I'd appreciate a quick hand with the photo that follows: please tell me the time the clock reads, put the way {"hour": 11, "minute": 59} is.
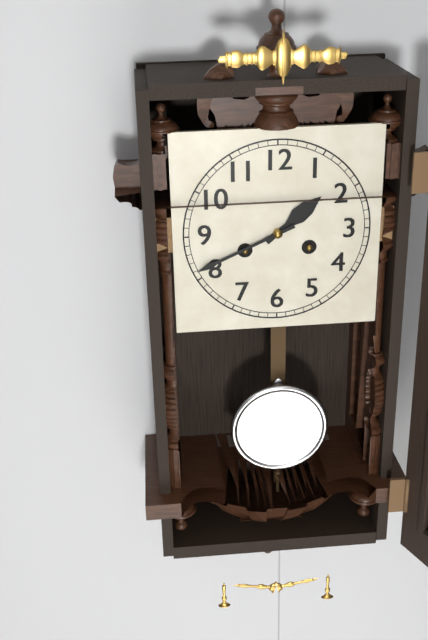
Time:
{"hour": 1, "minute": 41}
